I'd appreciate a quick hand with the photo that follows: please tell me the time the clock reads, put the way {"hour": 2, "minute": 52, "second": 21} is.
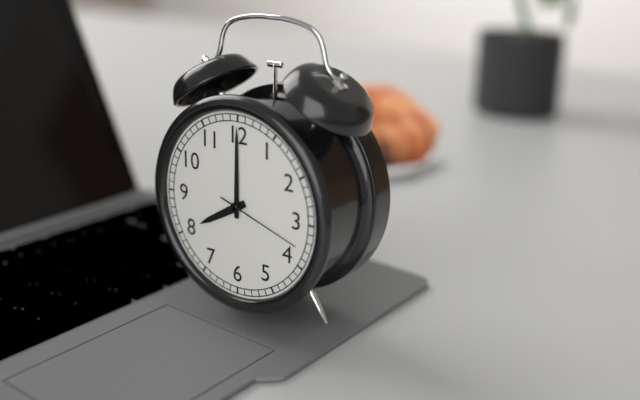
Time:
{"hour": 8, "minute": 0, "second": 18}
